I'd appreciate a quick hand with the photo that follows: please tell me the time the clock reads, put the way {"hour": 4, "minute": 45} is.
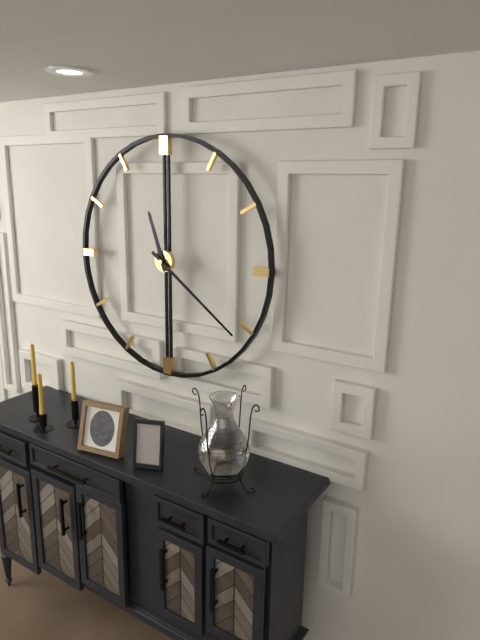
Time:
{"hour": 11, "minute": 21}
